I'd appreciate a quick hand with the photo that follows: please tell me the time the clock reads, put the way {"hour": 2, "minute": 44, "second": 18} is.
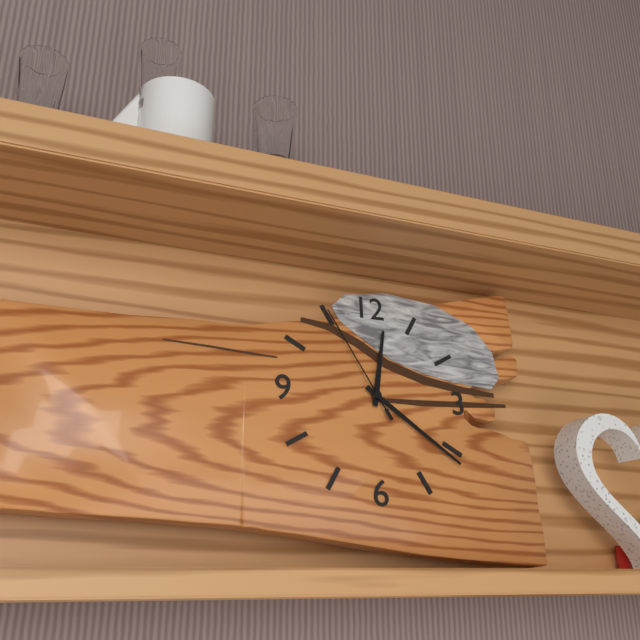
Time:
{"hour": 12, "minute": 21, "second": 55}
